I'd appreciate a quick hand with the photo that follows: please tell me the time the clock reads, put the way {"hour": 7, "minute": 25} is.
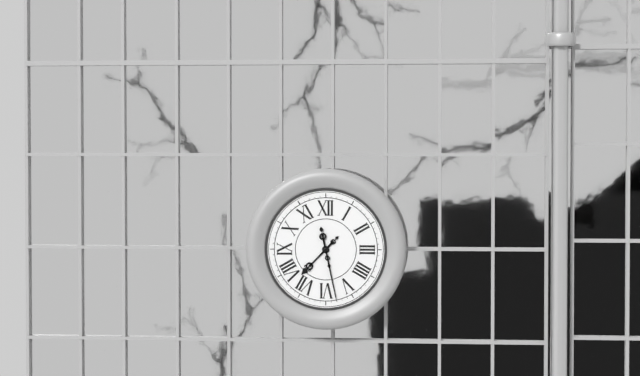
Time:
{"hour": 7, "minute": 28}
